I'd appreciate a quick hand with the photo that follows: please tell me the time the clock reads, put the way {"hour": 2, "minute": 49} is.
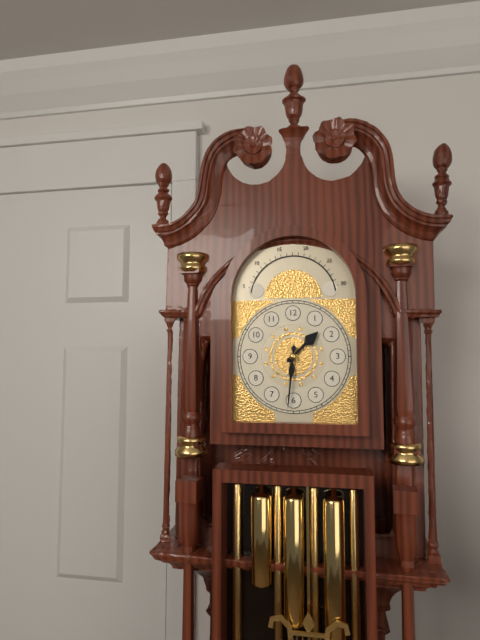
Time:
{"hour": 1, "minute": 31}
